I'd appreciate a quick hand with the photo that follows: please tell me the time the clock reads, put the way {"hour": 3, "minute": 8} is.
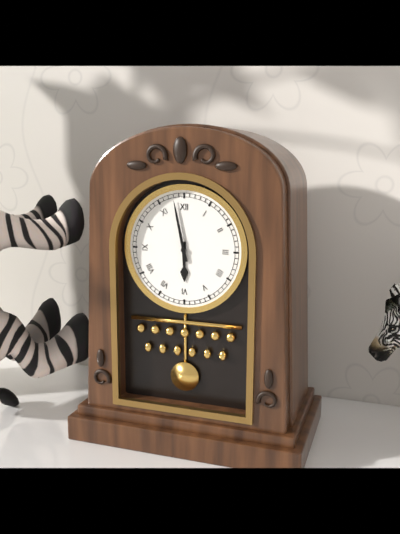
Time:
{"hour": 5, "minute": 58}
